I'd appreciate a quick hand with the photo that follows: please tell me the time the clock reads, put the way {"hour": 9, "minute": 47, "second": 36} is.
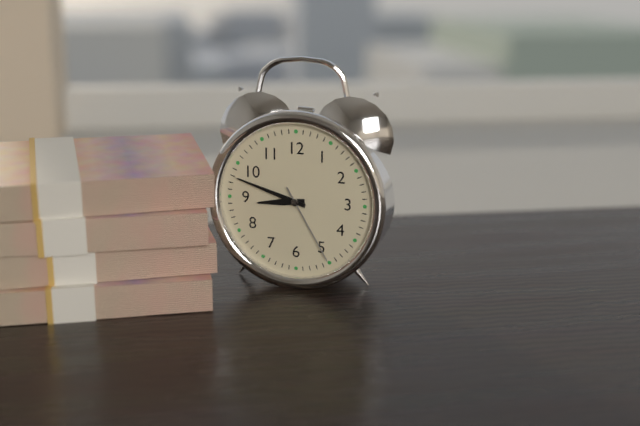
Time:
{"hour": 8, "minute": 48, "second": 25}
